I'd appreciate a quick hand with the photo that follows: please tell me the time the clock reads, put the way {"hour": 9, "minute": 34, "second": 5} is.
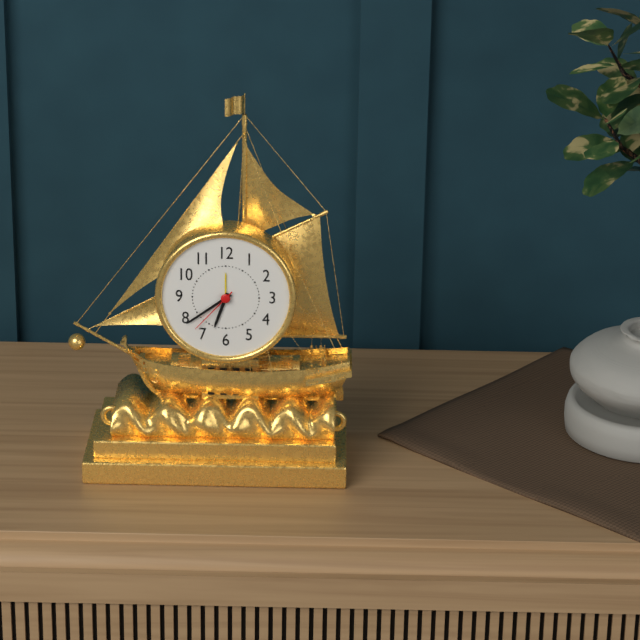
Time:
{"hour": 6, "minute": 39, "second": 37}
